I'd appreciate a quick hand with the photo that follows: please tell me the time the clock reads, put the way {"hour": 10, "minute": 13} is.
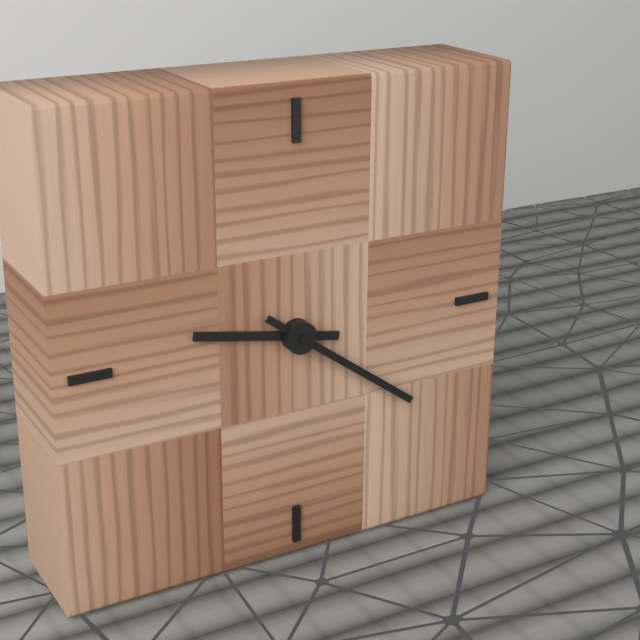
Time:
{"hour": 9, "minute": 21}
